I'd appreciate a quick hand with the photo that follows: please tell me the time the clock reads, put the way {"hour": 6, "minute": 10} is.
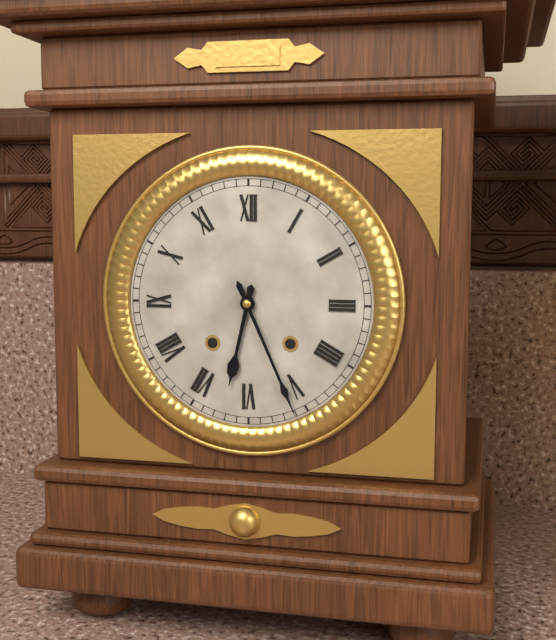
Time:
{"hour": 6, "minute": 26}
